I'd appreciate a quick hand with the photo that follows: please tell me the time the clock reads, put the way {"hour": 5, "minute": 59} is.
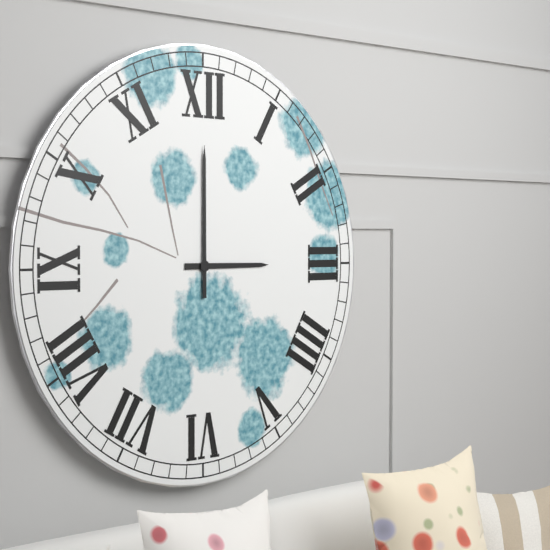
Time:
{"hour": 3, "minute": 0}
